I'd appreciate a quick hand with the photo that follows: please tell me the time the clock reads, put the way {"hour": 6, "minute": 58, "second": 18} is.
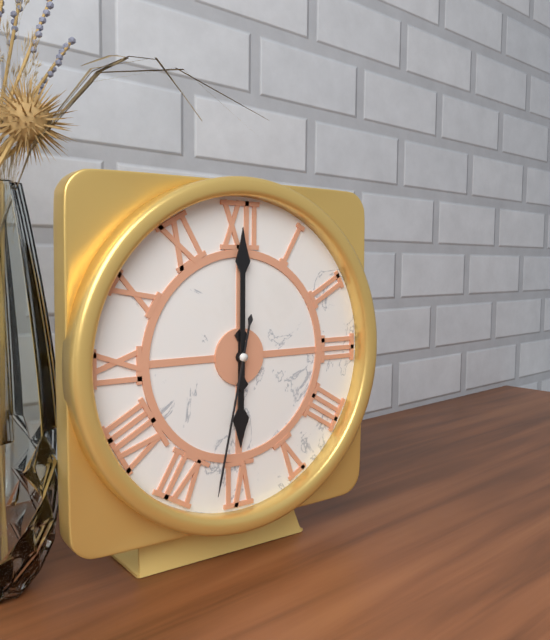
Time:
{"hour": 6, "minute": 0, "second": 32}
